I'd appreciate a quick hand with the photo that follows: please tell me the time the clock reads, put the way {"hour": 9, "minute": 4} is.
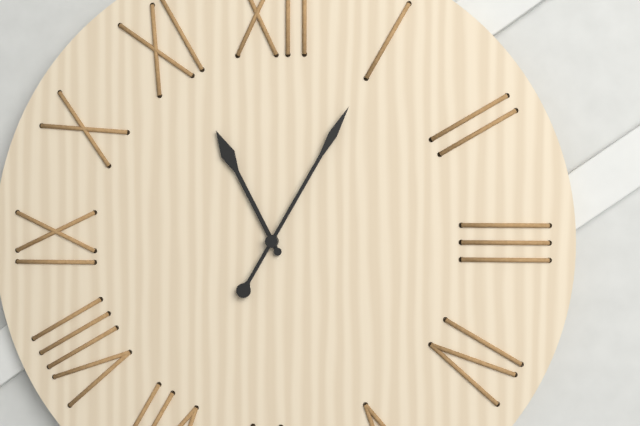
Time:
{"hour": 11, "minute": 5}
